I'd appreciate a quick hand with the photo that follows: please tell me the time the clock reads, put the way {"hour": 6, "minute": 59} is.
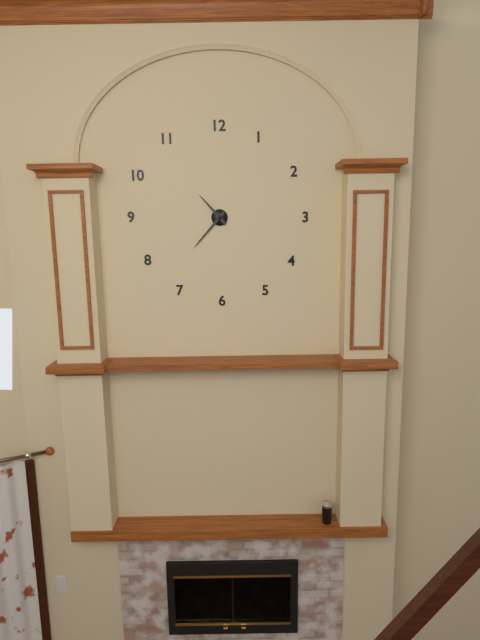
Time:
{"hour": 10, "minute": 37}
